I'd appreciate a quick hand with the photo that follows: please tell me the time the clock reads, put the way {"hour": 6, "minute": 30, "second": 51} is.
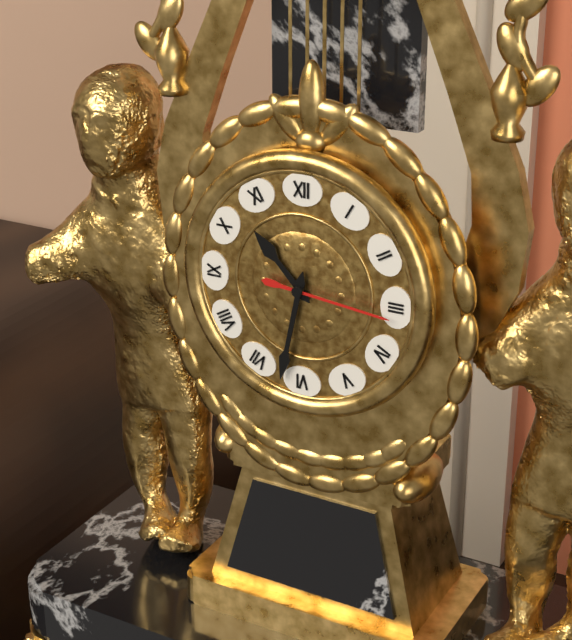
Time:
{"hour": 10, "minute": 32, "second": 16}
